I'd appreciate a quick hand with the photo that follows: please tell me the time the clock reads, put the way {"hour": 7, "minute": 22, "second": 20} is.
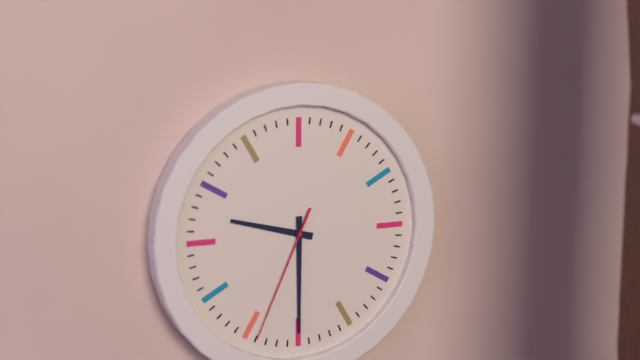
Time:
{"hour": 9, "minute": 30, "second": 34}
